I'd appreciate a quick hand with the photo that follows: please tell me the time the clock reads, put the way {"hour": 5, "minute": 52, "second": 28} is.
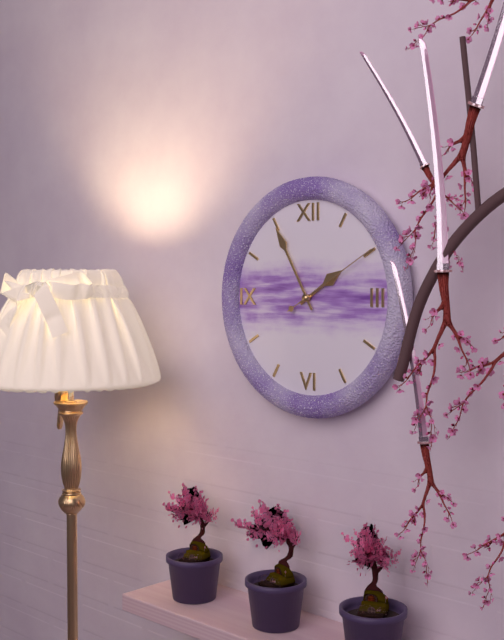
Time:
{"hour": 1, "minute": 55, "second": 10}
